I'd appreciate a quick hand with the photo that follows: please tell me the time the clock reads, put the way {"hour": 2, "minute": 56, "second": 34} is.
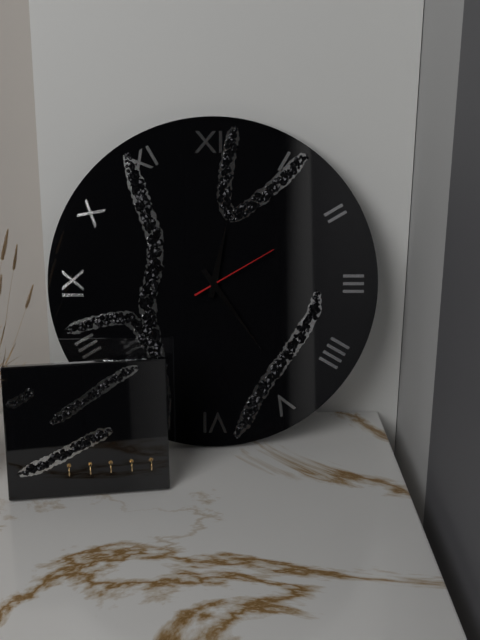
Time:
{"hour": 12, "minute": 24, "second": 10}
